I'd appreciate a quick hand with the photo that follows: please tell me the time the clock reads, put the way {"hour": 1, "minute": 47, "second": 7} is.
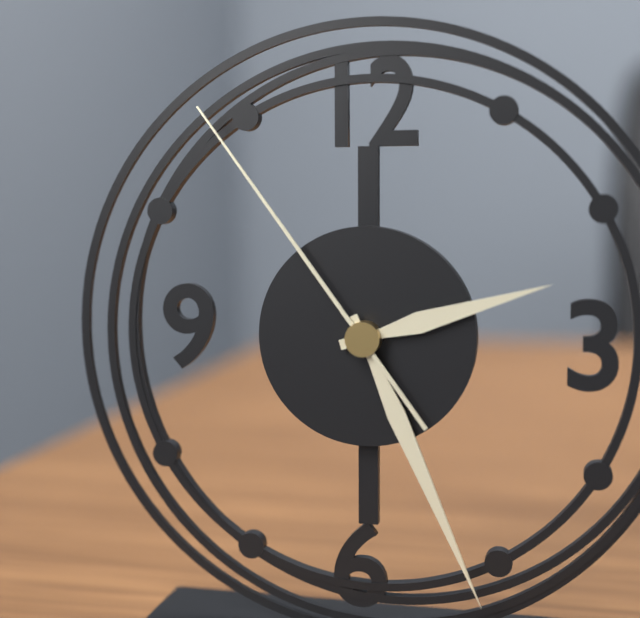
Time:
{"hour": 2, "minute": 26, "second": 54}
